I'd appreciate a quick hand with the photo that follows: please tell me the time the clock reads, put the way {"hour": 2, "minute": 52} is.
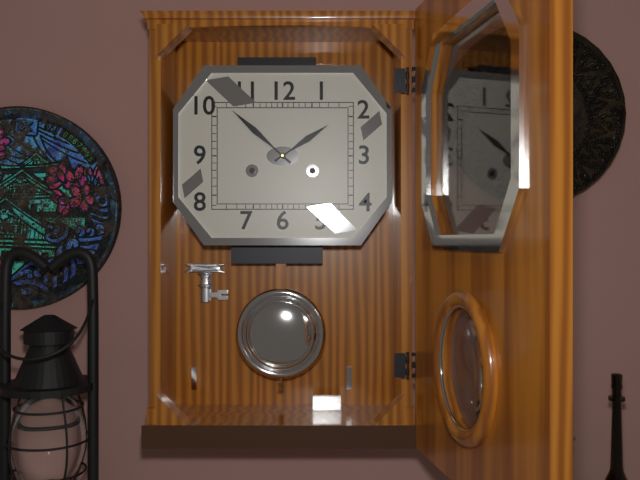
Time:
{"hour": 1, "minute": 52}
